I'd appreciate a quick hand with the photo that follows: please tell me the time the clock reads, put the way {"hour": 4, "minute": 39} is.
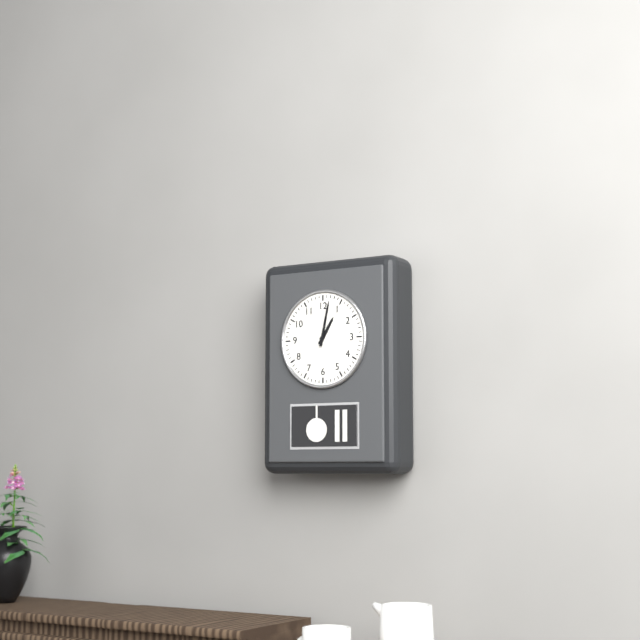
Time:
{"hour": 1, "minute": 2}
